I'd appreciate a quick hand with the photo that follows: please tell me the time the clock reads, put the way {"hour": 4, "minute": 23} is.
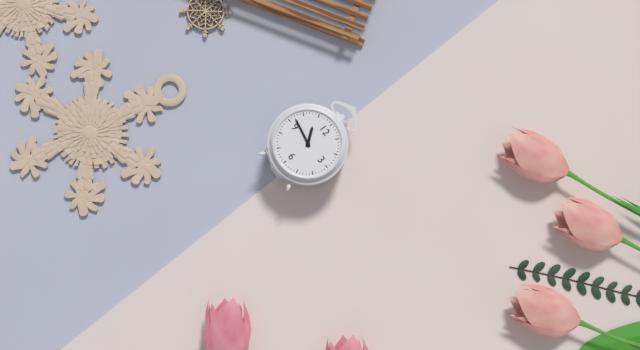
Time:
{"hour": 10, "minute": 47}
